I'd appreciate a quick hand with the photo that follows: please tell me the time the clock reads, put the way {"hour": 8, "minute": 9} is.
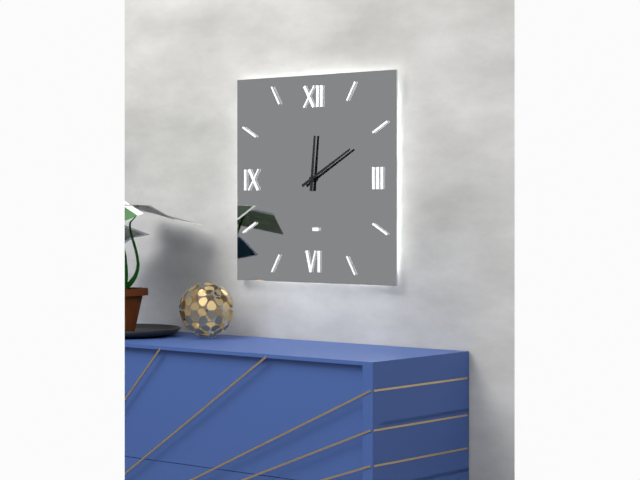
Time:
{"hour": 12, "minute": 10}
